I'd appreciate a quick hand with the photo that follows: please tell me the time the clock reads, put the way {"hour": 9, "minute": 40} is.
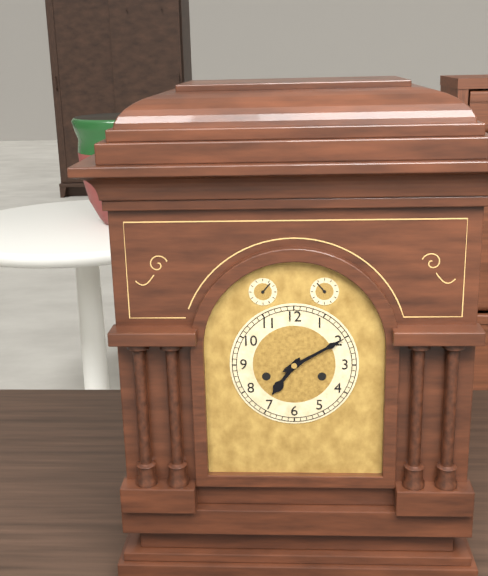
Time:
{"hour": 7, "minute": 10}
